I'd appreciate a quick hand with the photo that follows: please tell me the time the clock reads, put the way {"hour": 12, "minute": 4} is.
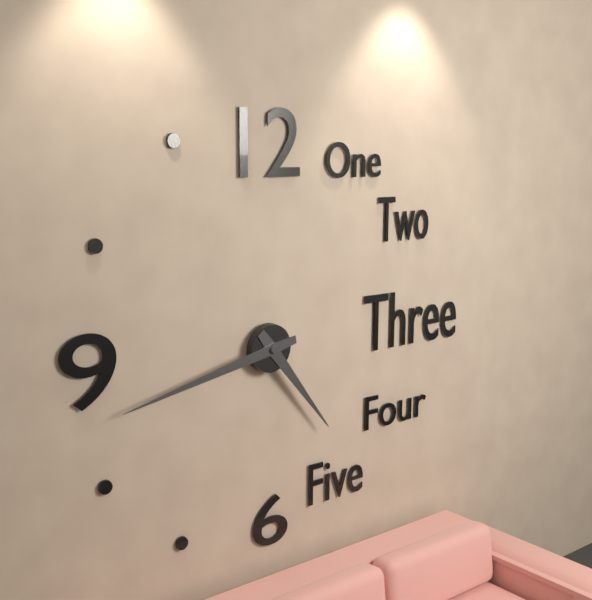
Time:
{"hour": 4, "minute": 43}
